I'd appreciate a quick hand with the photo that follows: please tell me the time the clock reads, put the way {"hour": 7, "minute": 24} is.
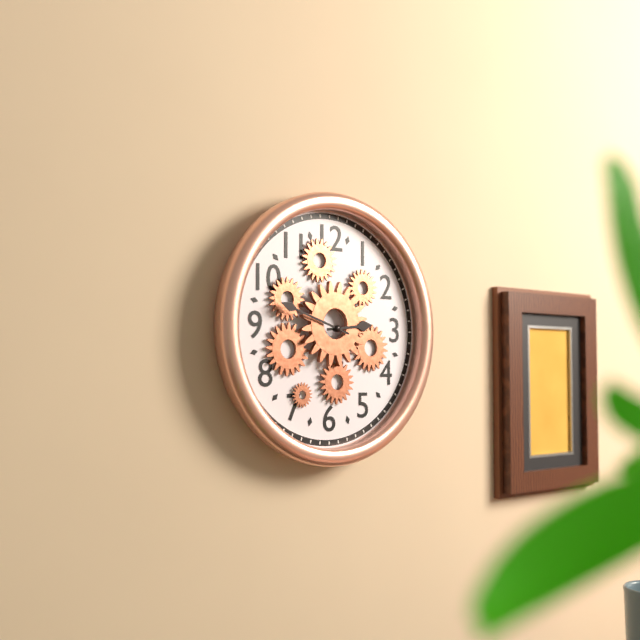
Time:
{"hour": 2, "minute": 48}
